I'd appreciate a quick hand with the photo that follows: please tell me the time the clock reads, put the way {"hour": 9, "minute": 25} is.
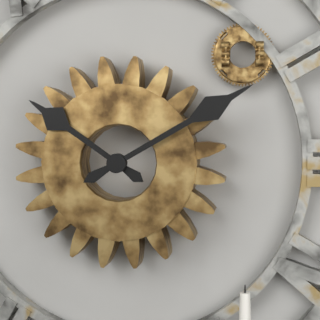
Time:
{"hour": 10, "minute": 10}
